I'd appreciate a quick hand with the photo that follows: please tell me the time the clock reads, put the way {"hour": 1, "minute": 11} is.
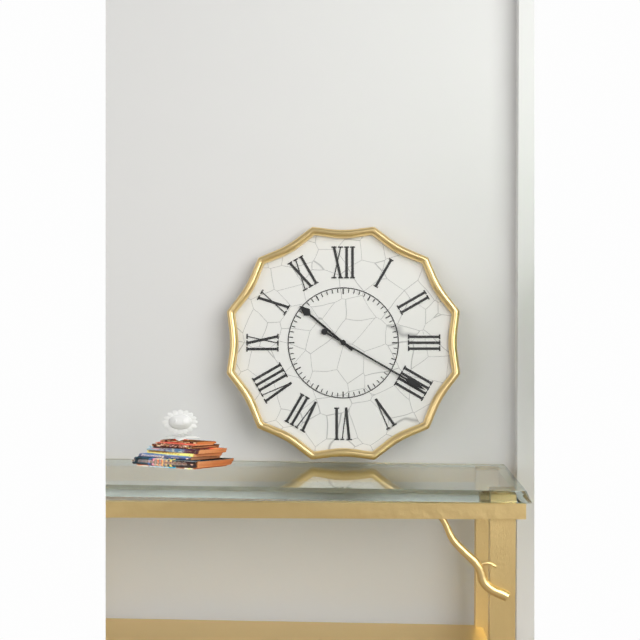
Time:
{"hour": 10, "minute": 20}
